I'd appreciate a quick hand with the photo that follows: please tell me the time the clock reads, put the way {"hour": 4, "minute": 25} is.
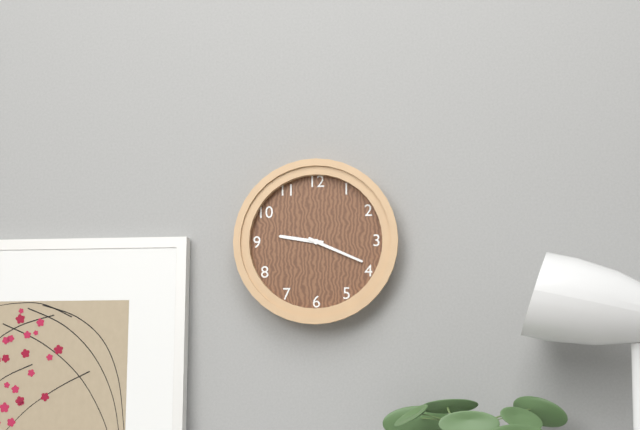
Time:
{"hour": 9, "minute": 19}
